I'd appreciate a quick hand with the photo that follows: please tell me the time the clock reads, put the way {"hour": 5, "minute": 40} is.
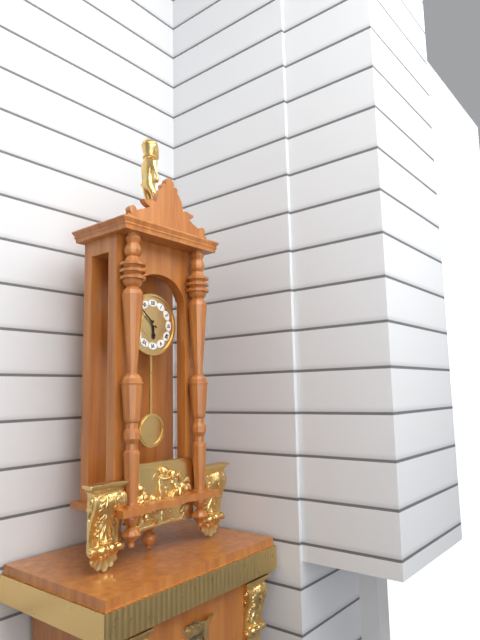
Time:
{"hour": 5, "minute": 52}
